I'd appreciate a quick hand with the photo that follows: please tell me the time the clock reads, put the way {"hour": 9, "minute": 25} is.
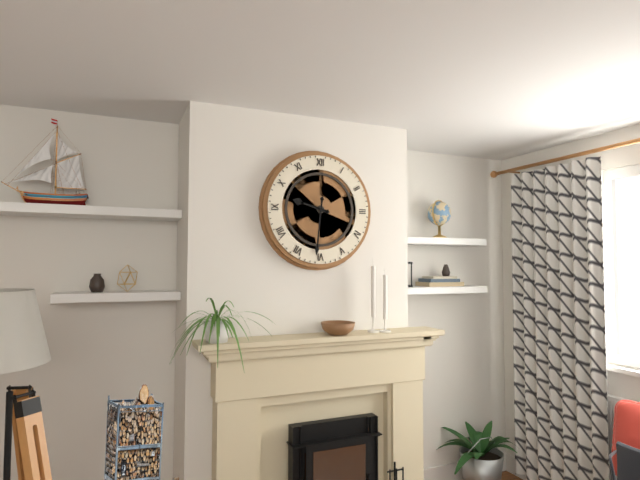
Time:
{"hour": 9, "minute": 31}
